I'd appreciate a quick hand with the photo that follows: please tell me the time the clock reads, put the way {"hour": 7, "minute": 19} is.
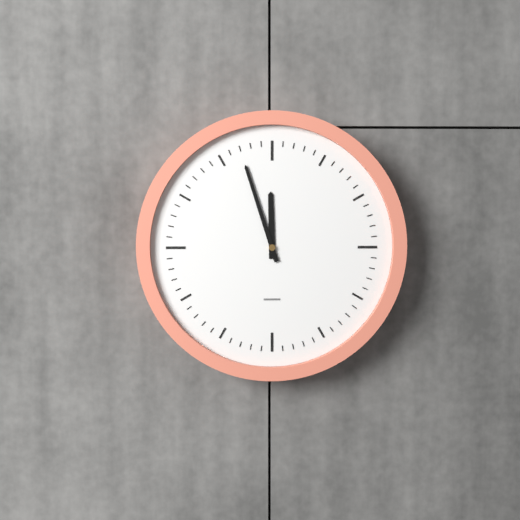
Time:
{"hour": 11, "minute": 57}
